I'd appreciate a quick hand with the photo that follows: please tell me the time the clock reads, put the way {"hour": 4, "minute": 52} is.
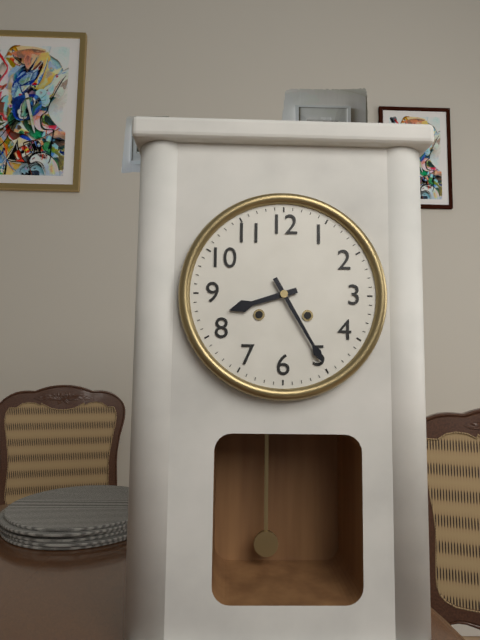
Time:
{"hour": 8, "minute": 25}
